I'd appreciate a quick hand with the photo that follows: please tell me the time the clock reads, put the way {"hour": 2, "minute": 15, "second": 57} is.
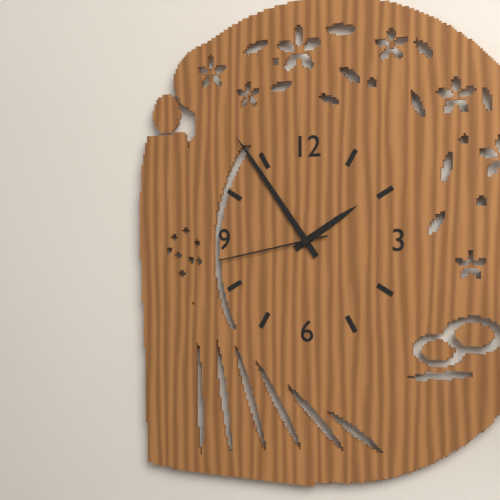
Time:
{"hour": 1, "minute": 54, "second": 43}
